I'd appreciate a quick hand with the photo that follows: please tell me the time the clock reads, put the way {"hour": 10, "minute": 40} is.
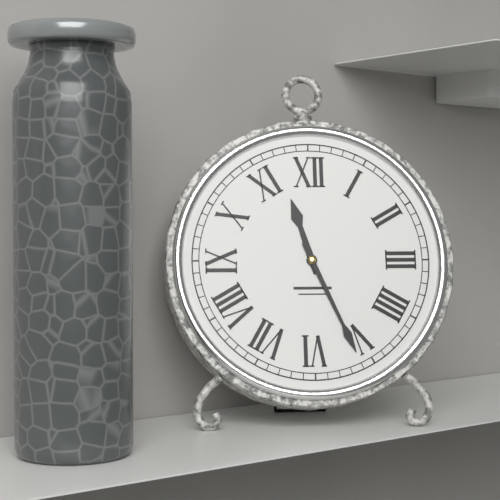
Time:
{"hour": 11, "minute": 26}
